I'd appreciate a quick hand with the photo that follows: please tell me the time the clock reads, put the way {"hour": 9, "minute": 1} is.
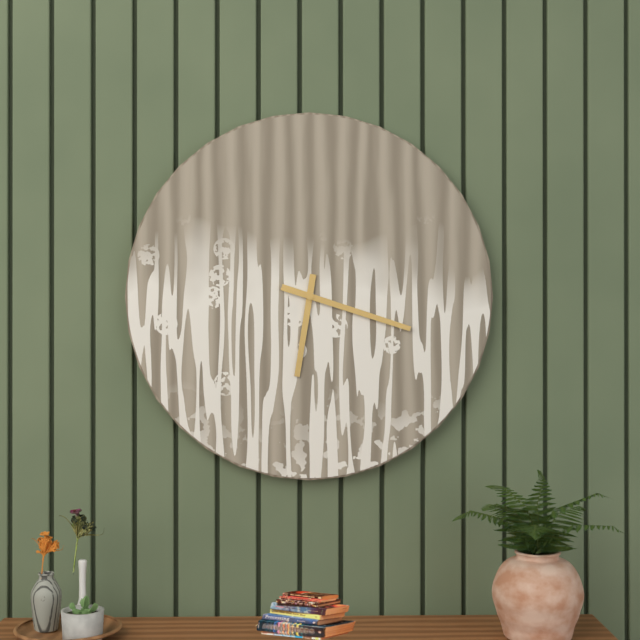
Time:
{"hour": 6, "minute": 18}
